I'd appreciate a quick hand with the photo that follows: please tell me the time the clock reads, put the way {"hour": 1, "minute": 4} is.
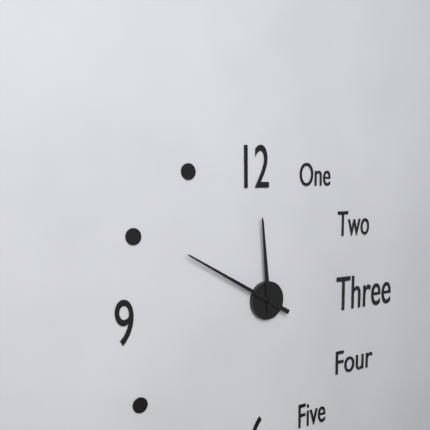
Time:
{"hour": 11, "minute": 50}
